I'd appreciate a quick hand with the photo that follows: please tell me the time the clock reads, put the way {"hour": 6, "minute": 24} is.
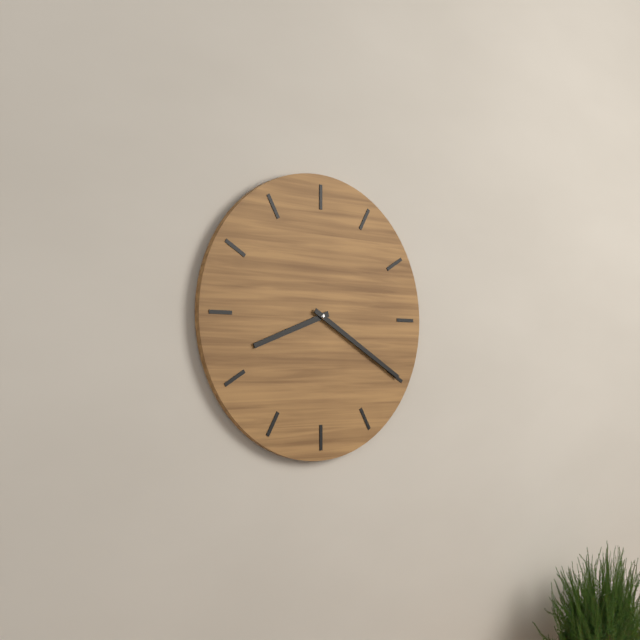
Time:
{"hour": 8, "minute": 20}
